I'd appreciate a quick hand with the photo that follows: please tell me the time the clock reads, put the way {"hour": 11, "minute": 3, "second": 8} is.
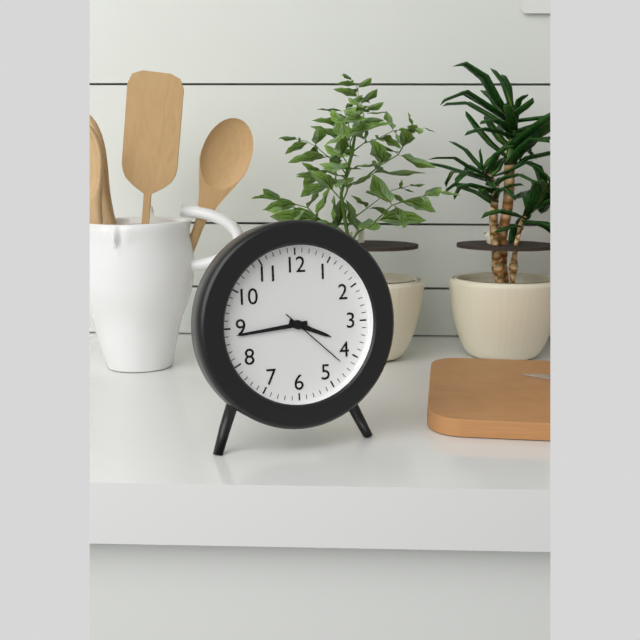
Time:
{"hour": 3, "minute": 44, "second": 22}
